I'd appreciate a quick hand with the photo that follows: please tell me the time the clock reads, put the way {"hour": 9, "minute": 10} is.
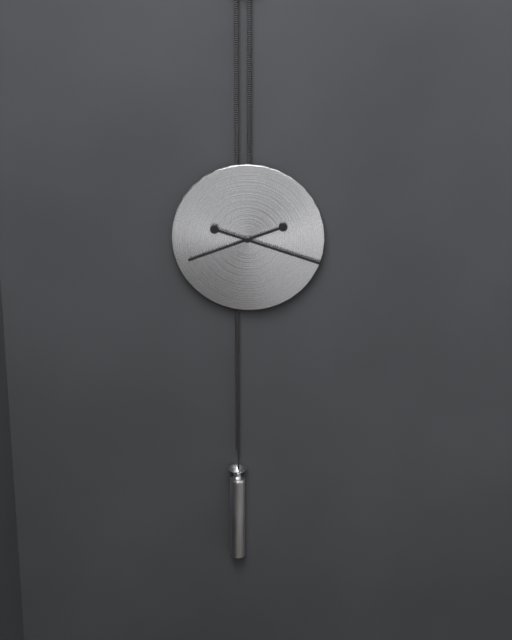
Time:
{"hour": 8, "minute": 18}
